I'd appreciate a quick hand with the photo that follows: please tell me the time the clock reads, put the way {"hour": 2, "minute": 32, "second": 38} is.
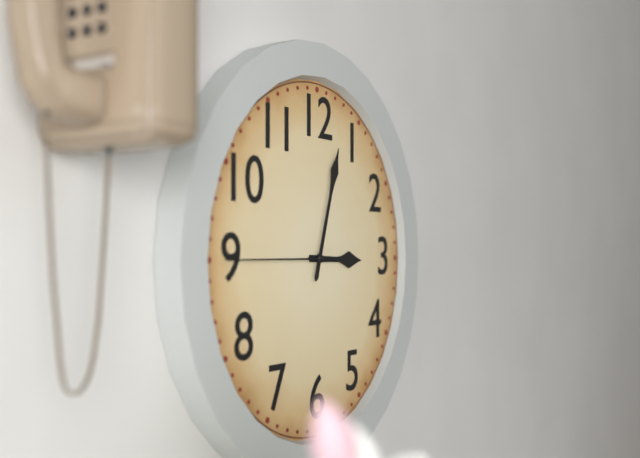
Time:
{"hour": 3, "minute": 3, "second": 45}
